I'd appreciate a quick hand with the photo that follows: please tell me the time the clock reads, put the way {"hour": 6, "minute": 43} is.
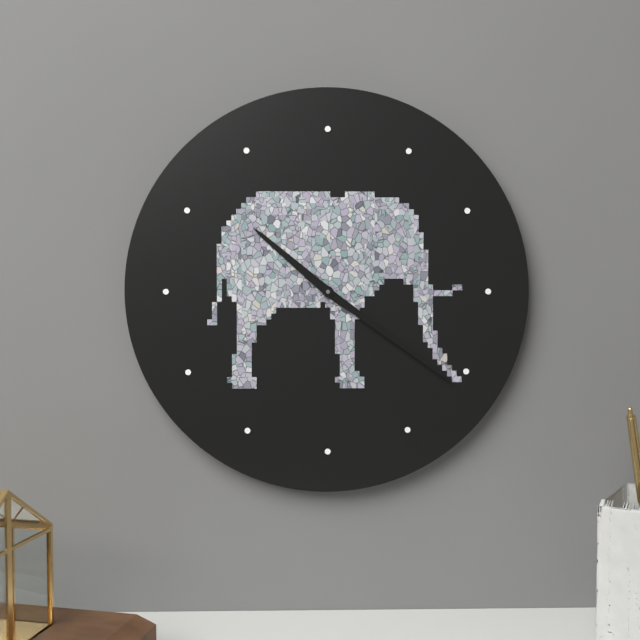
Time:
{"hour": 10, "minute": 21}
